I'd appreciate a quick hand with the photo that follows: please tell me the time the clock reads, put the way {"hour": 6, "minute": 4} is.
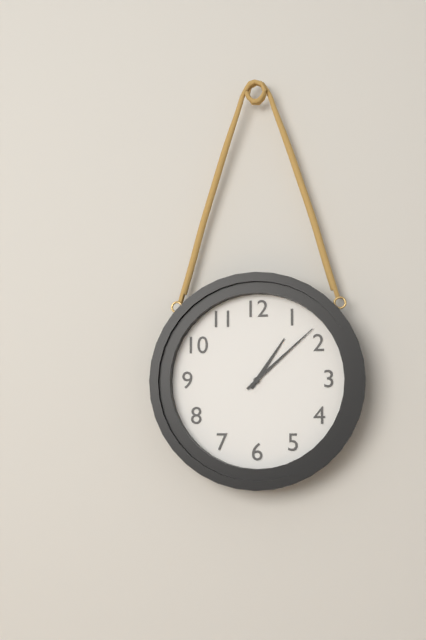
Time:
{"hour": 1, "minute": 8}
